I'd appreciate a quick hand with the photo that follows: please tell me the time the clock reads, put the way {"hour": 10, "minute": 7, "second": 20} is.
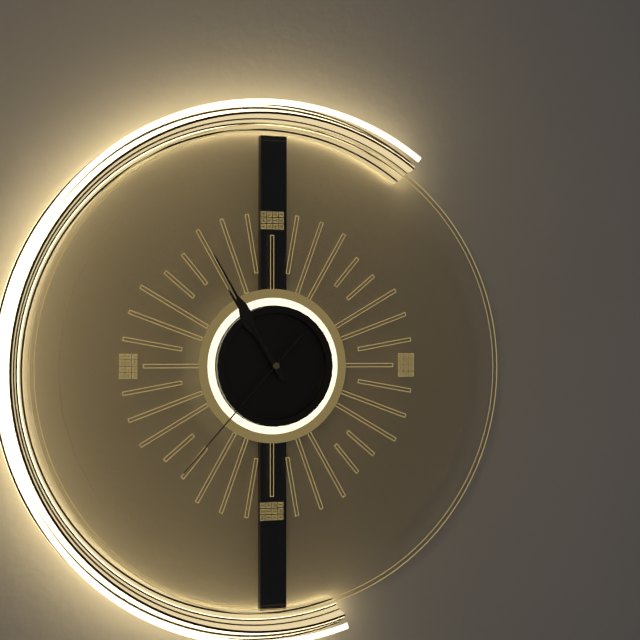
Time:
{"hour": 10, "minute": 55, "second": 37}
